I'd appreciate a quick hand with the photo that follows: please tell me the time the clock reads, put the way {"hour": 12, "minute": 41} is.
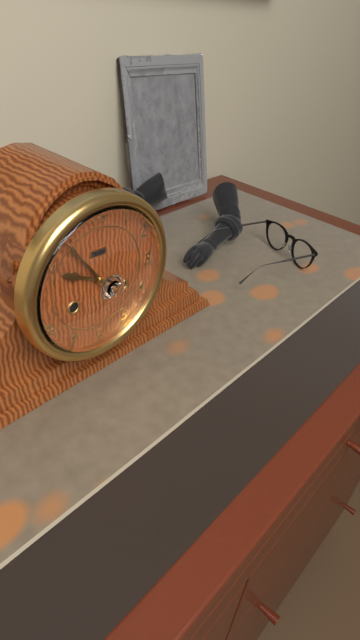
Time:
{"hour": 9, "minute": 54}
